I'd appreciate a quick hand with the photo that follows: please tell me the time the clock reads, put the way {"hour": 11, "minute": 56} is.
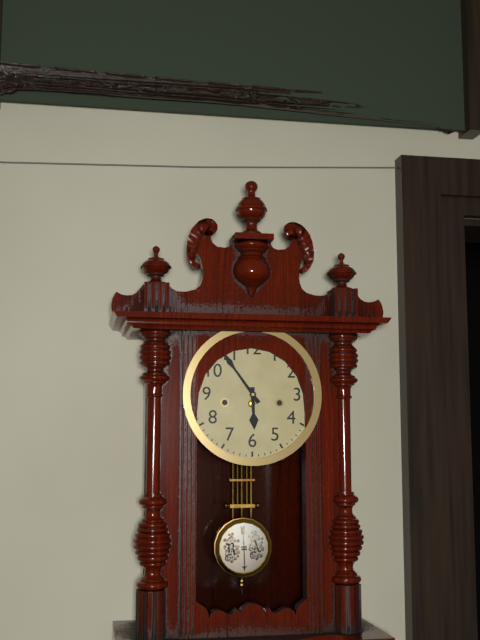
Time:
{"hour": 5, "minute": 54}
